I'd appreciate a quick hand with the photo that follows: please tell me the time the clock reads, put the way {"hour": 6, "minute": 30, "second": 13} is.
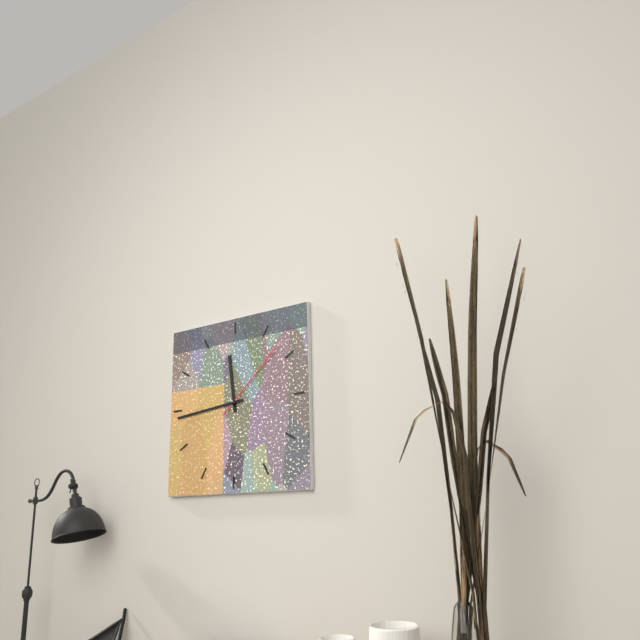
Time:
{"hour": 11, "minute": 44, "second": 8}
